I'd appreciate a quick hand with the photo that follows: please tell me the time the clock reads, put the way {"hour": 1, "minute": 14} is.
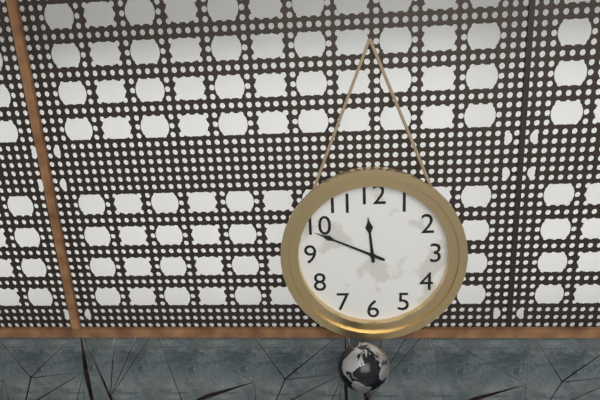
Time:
{"hour": 11, "minute": 49}
